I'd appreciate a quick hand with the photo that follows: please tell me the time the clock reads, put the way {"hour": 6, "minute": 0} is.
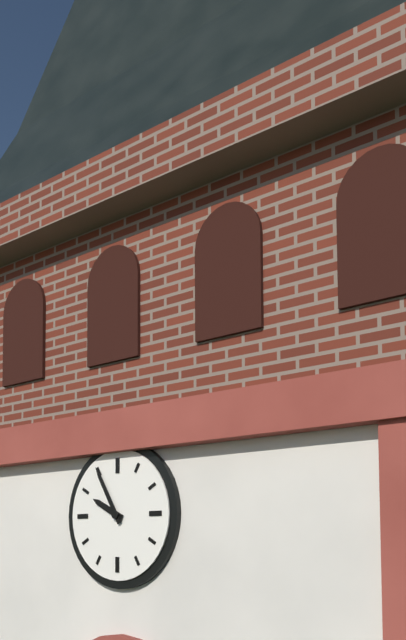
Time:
{"hour": 9, "minute": 55}
